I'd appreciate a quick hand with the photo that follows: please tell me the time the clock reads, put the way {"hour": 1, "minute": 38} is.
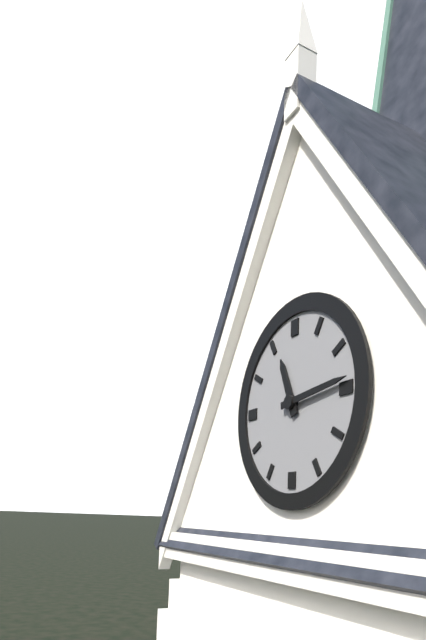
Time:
{"hour": 11, "minute": 14}
